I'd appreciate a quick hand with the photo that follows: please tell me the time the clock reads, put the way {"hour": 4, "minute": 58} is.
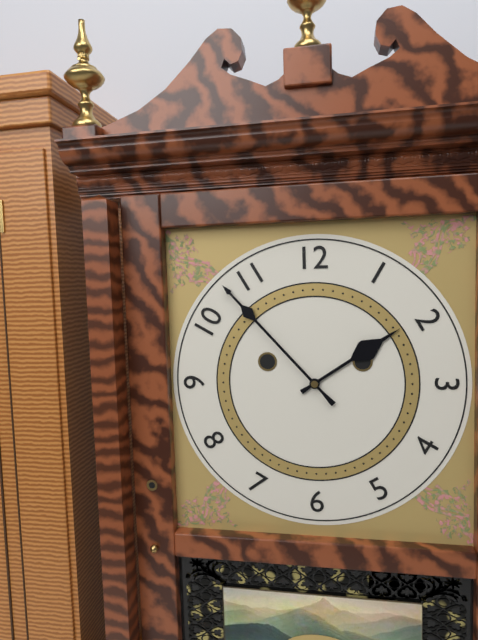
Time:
{"hour": 1, "minute": 53}
